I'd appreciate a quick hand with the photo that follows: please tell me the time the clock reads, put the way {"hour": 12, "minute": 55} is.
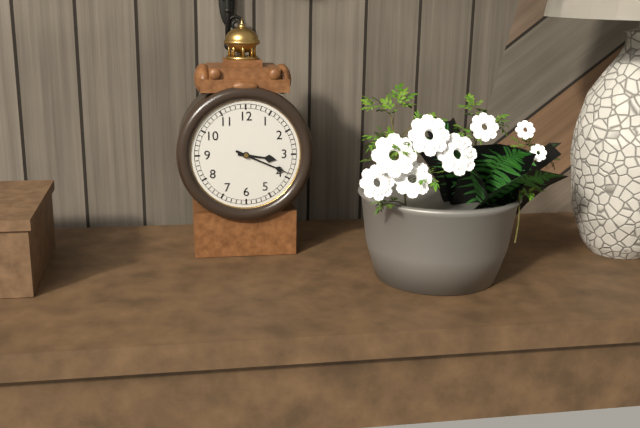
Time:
{"hour": 3, "minute": 19}
